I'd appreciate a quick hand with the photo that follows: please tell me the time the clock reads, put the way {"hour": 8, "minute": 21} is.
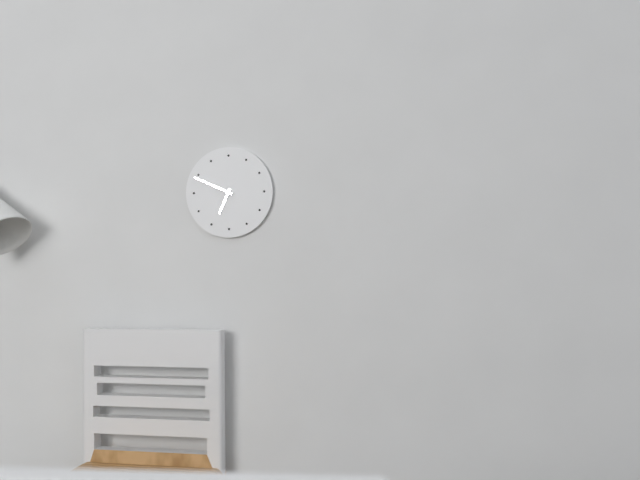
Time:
{"hour": 6, "minute": 49}
